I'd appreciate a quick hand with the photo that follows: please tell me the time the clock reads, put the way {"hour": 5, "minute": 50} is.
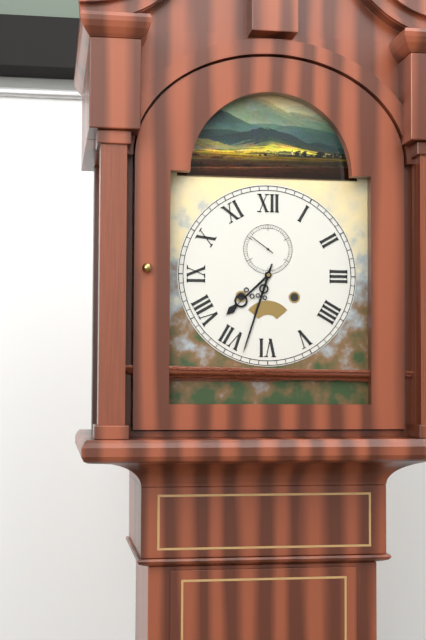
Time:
{"hour": 7, "minute": 33}
